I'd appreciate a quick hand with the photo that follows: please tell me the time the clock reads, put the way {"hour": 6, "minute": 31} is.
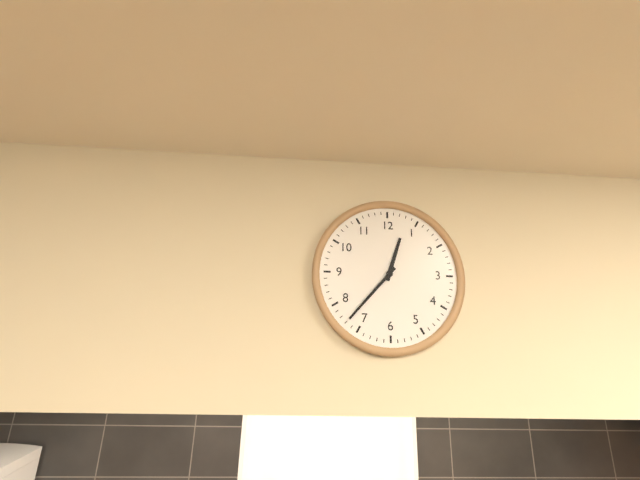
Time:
{"hour": 12, "minute": 37}
